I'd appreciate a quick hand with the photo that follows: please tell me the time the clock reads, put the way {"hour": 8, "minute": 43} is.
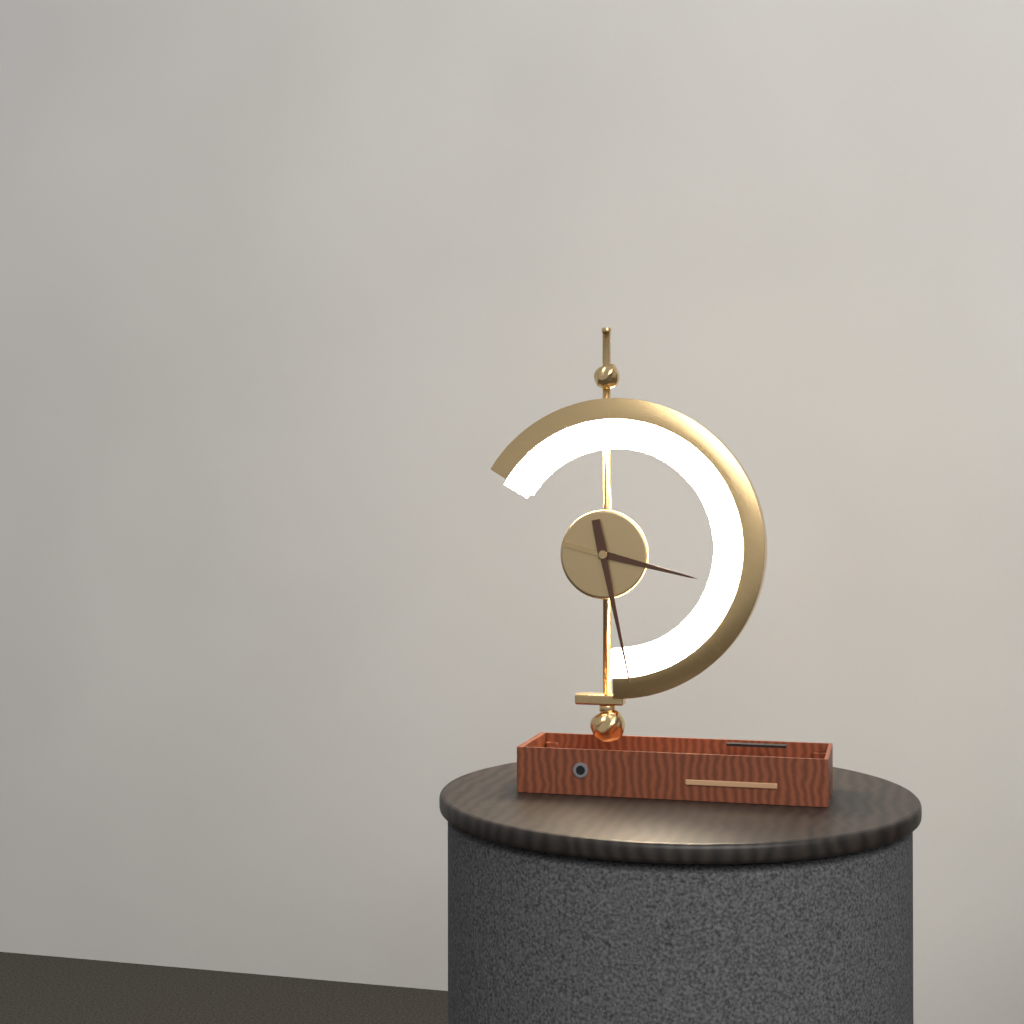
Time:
{"hour": 3, "minute": 28}
